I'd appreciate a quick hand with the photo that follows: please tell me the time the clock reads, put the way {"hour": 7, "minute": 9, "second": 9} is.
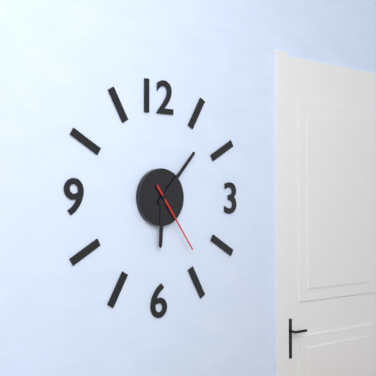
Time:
{"hour": 6, "minute": 7, "second": 24}
